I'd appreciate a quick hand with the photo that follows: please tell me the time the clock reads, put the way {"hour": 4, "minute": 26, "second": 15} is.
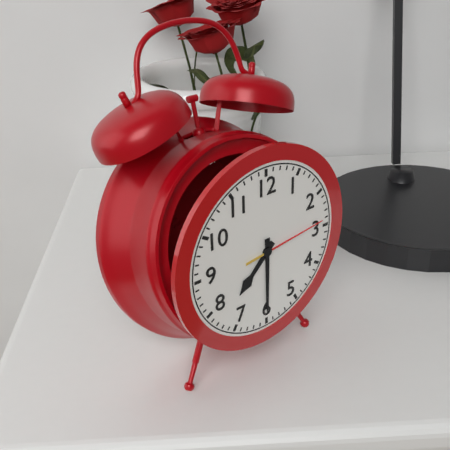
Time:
{"hour": 7, "minute": 30, "second": 14}
